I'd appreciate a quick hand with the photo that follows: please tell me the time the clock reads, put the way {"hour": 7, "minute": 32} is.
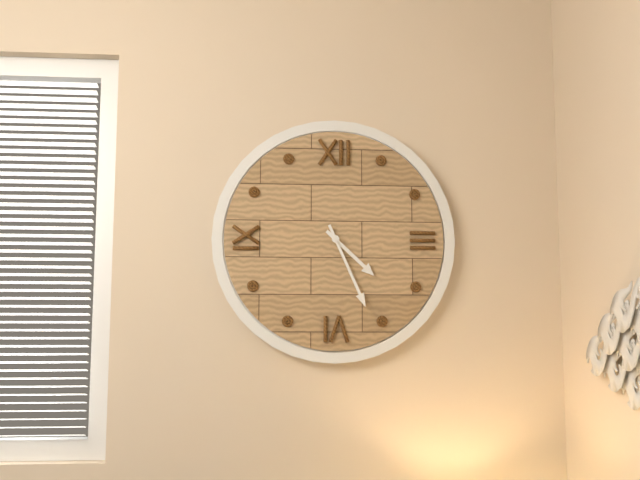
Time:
{"hour": 4, "minute": 26}
